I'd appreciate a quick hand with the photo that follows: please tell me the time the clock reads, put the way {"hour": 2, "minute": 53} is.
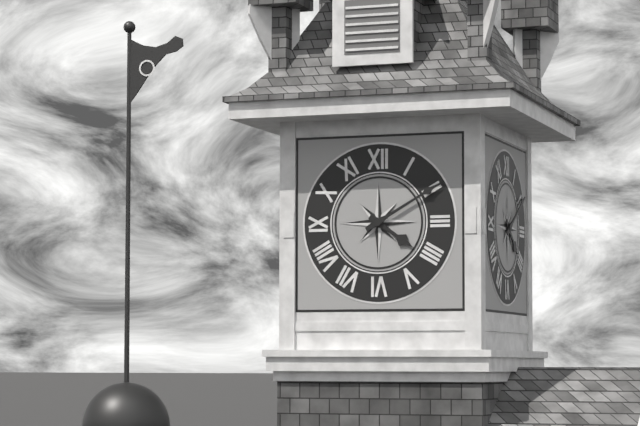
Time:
{"hour": 4, "minute": 10}
